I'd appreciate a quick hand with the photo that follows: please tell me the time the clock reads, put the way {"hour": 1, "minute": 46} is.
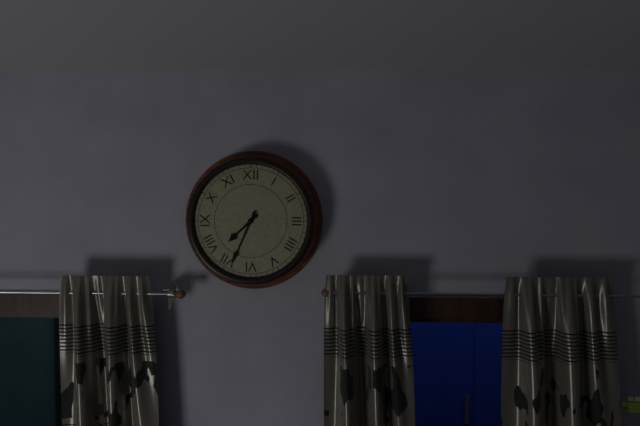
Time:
{"hour": 7, "minute": 34}
